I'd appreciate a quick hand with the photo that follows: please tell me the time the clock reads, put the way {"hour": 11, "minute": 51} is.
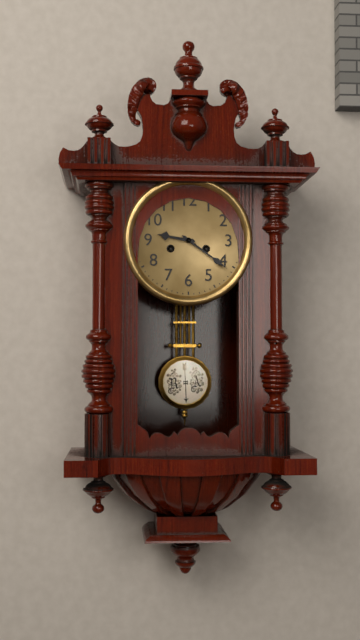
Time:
{"hour": 9, "minute": 21}
